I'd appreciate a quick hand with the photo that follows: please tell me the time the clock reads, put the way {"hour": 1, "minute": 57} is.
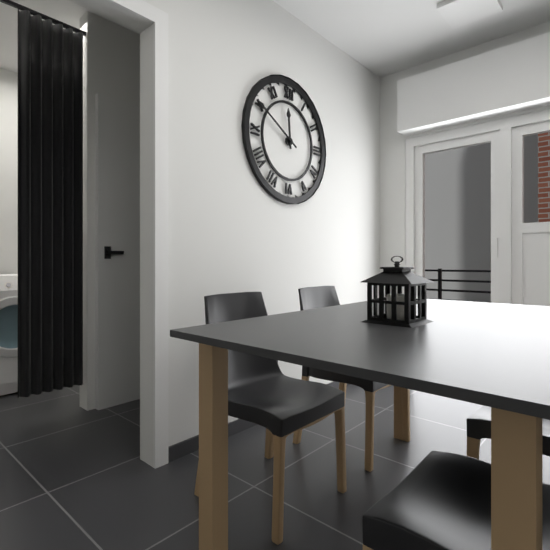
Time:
{"hour": 11, "minute": 50}
